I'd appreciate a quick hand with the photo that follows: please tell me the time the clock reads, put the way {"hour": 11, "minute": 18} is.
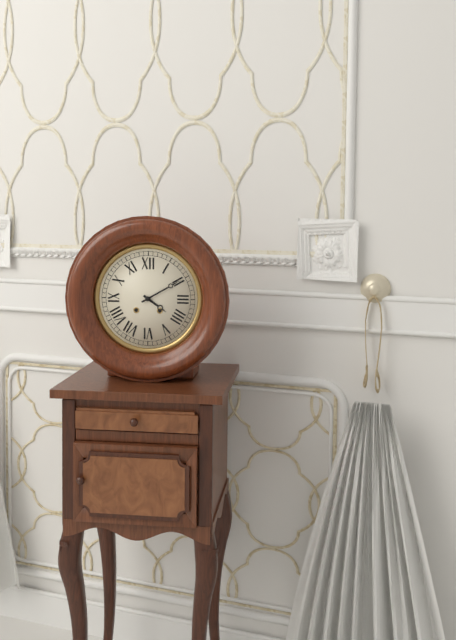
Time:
{"hour": 4, "minute": 10}
